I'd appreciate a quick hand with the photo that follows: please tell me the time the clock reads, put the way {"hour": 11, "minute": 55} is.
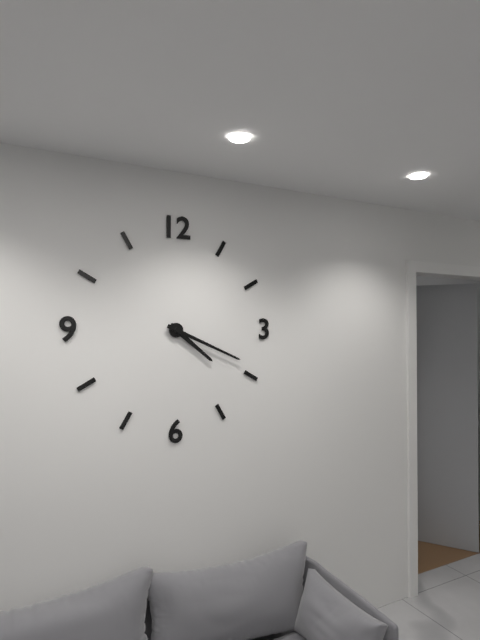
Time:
{"hour": 4, "minute": 19}
